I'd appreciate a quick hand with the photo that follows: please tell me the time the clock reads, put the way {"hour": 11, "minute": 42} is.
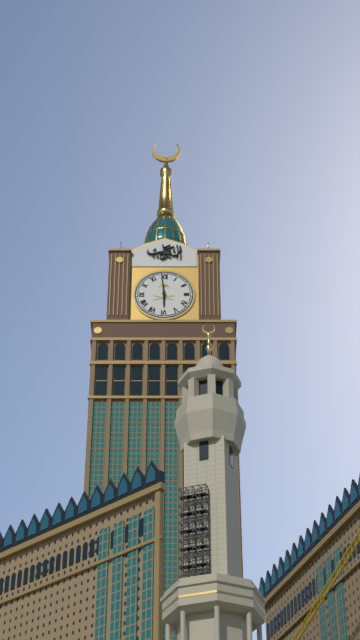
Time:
{"hour": 5, "minute": 59}
